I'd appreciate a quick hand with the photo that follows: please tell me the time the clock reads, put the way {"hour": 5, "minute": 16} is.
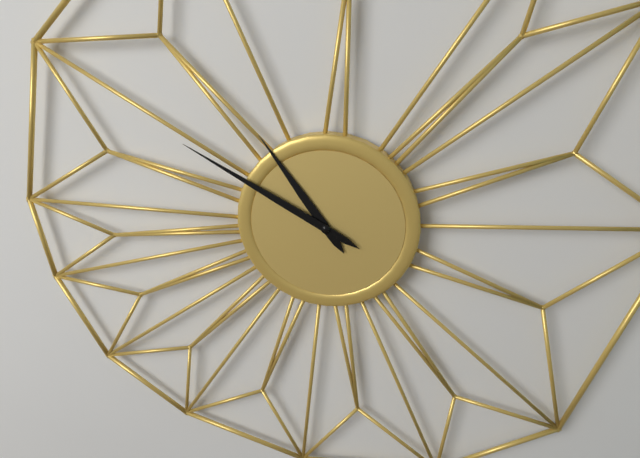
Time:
{"hour": 10, "minute": 50}
